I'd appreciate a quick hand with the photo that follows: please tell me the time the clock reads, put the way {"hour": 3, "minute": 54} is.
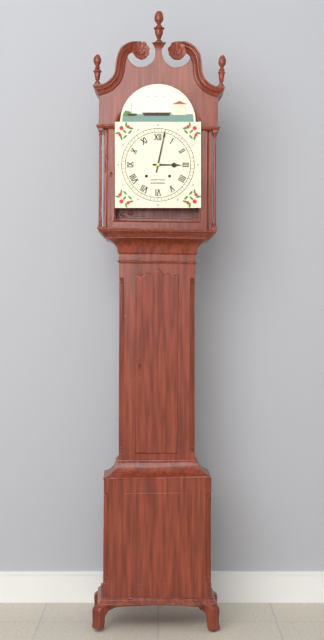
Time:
{"hour": 3, "minute": 2}
